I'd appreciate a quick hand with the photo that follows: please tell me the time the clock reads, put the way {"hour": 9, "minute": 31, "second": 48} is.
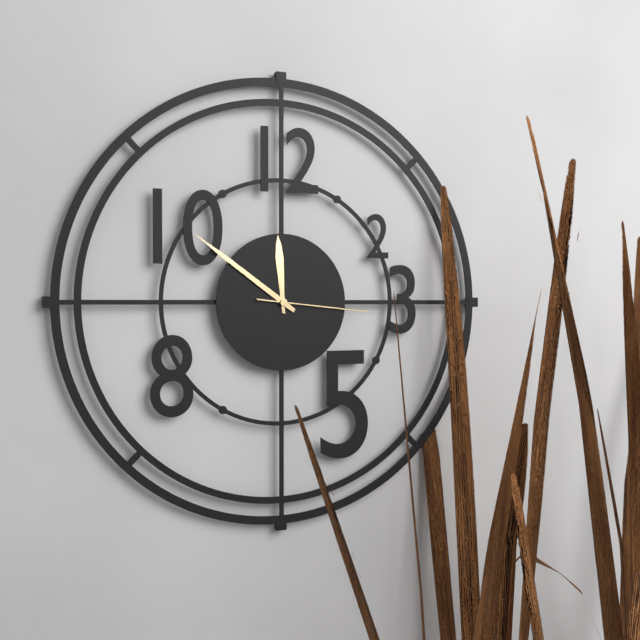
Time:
{"hour": 11, "minute": 51, "second": 16}
